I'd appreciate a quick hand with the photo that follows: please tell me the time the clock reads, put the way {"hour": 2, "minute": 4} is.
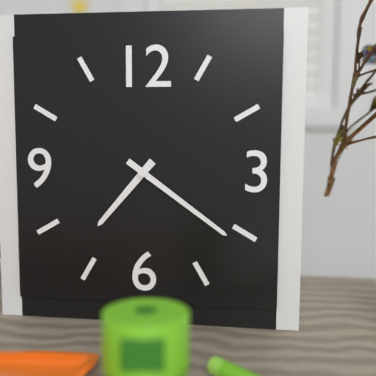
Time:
{"hour": 7, "minute": 21}
